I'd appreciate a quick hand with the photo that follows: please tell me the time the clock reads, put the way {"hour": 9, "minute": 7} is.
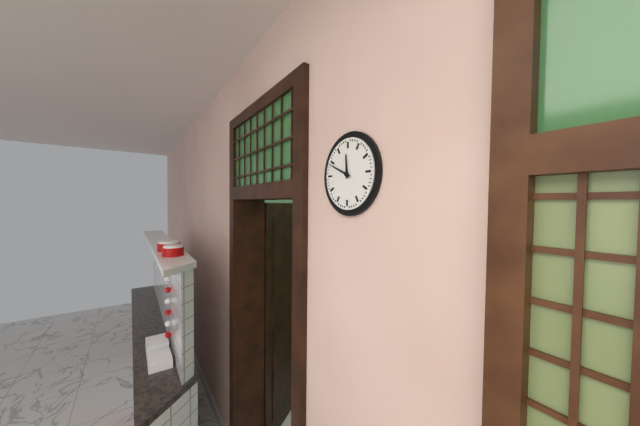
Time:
{"hour": 11, "minute": 49}
